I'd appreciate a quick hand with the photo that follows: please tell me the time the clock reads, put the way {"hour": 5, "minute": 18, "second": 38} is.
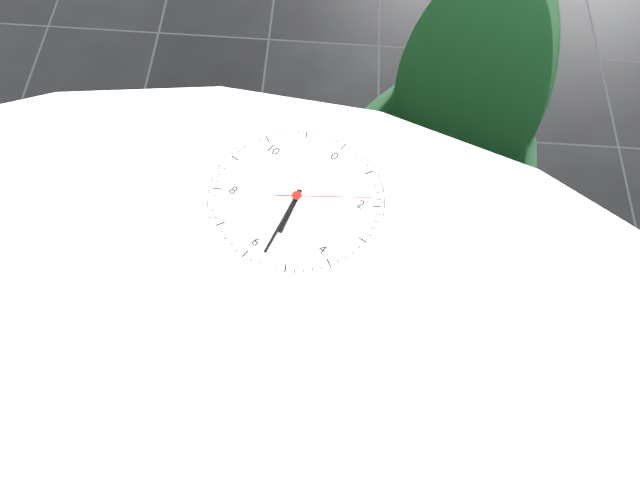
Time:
{"hour": 5, "minute": 28, "second": 9}
